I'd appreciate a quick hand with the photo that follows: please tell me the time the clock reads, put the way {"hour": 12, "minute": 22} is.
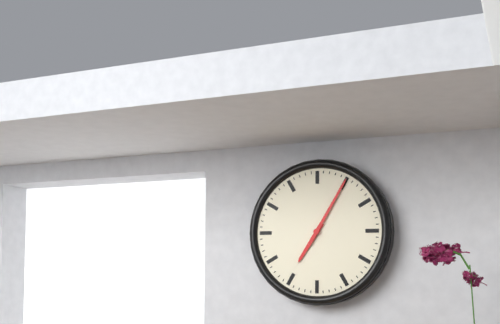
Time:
{"hour": 7, "minute": 5}
